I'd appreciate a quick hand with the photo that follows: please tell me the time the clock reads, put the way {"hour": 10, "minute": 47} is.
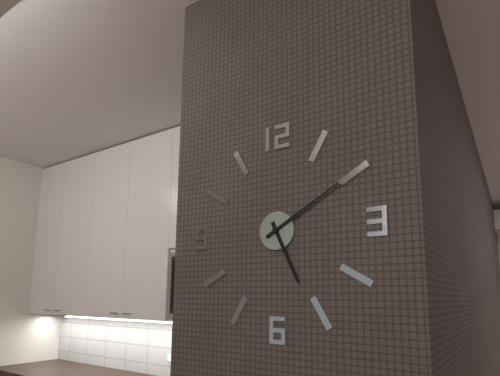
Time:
{"hour": 5, "minute": 10}
